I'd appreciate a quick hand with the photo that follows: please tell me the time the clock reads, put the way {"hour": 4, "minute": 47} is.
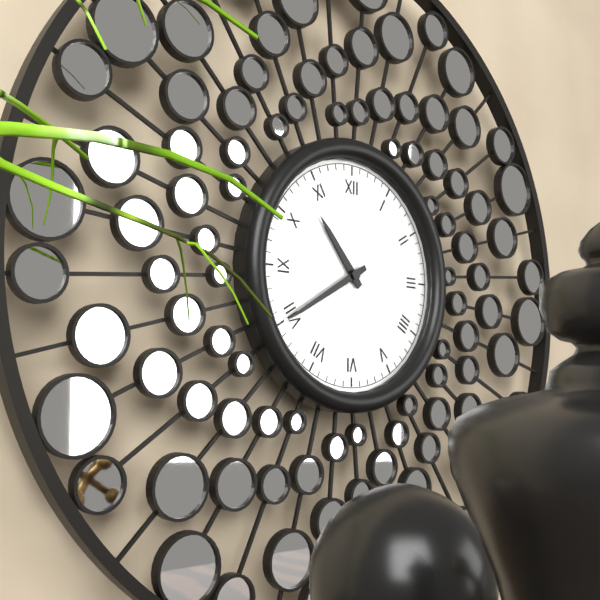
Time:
{"hour": 10, "minute": 40}
